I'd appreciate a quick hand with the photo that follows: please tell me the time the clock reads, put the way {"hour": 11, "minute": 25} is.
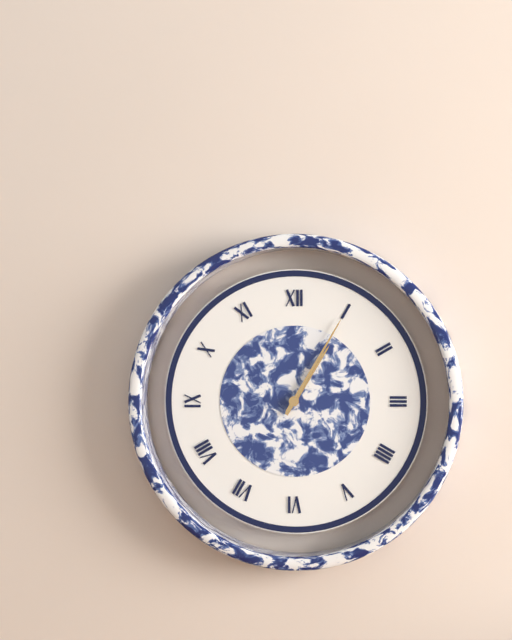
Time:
{"hour": 1, "minute": 5}
